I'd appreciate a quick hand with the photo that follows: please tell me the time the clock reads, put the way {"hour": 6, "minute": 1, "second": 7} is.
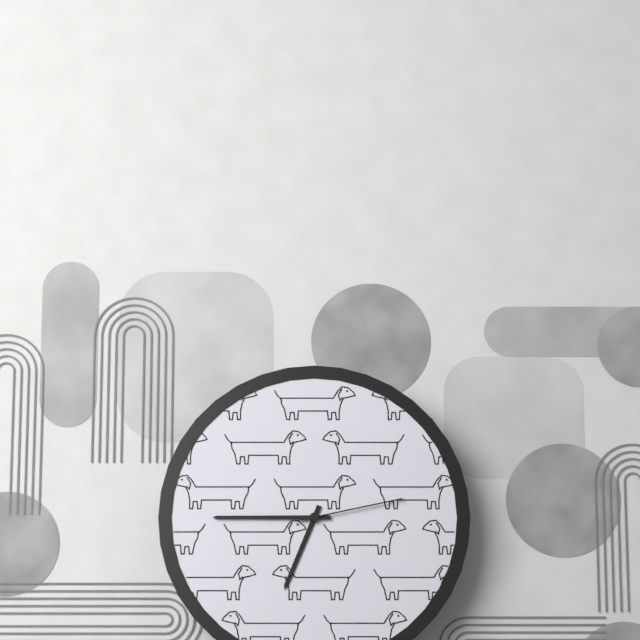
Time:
{"hour": 6, "minute": 45, "second": 13}
